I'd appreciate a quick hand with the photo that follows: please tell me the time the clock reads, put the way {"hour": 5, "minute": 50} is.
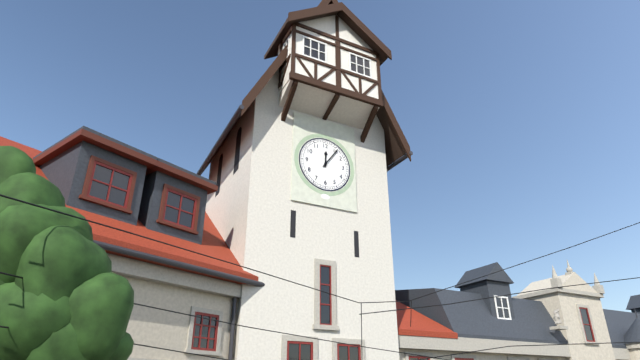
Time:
{"hour": 12, "minute": 6}
